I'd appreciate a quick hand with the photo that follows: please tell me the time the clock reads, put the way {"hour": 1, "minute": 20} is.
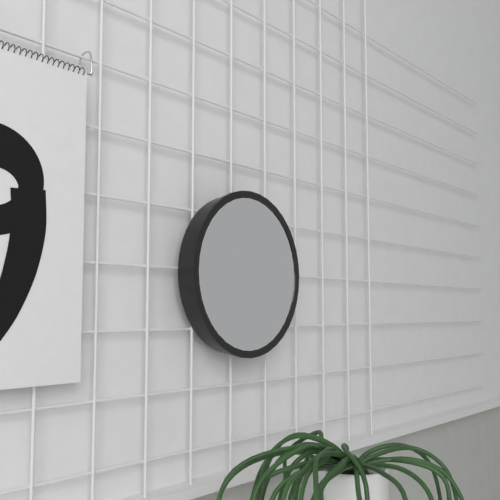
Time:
{"hour": 9, "minute": 39}
